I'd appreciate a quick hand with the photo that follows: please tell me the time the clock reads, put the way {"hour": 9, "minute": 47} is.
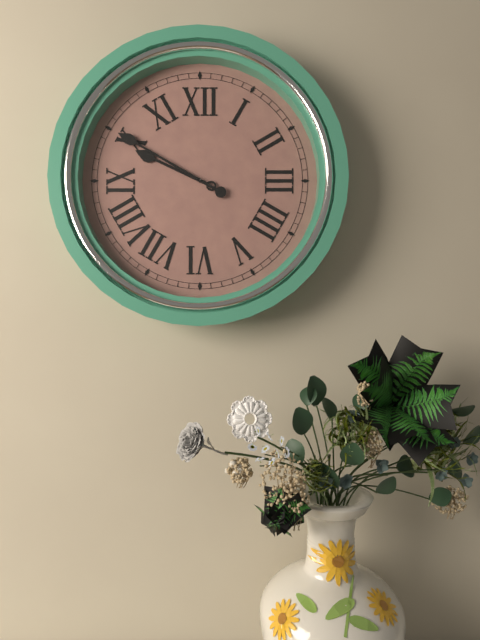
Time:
{"hour": 9, "minute": 50}
